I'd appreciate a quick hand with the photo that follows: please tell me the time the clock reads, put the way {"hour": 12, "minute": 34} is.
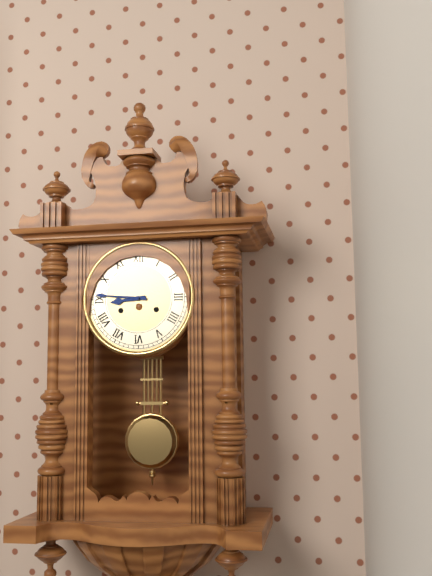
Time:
{"hour": 8, "minute": 46}
